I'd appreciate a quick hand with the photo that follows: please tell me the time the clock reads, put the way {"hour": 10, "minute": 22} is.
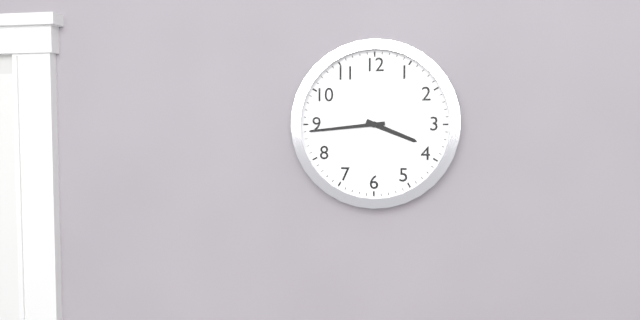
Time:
{"hour": 3, "minute": 44}
